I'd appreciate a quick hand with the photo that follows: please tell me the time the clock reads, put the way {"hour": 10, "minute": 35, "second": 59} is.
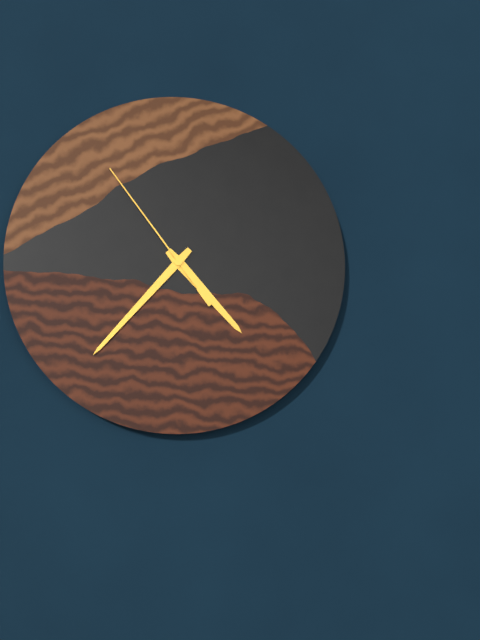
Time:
{"hour": 4, "minute": 37, "second": 54}
